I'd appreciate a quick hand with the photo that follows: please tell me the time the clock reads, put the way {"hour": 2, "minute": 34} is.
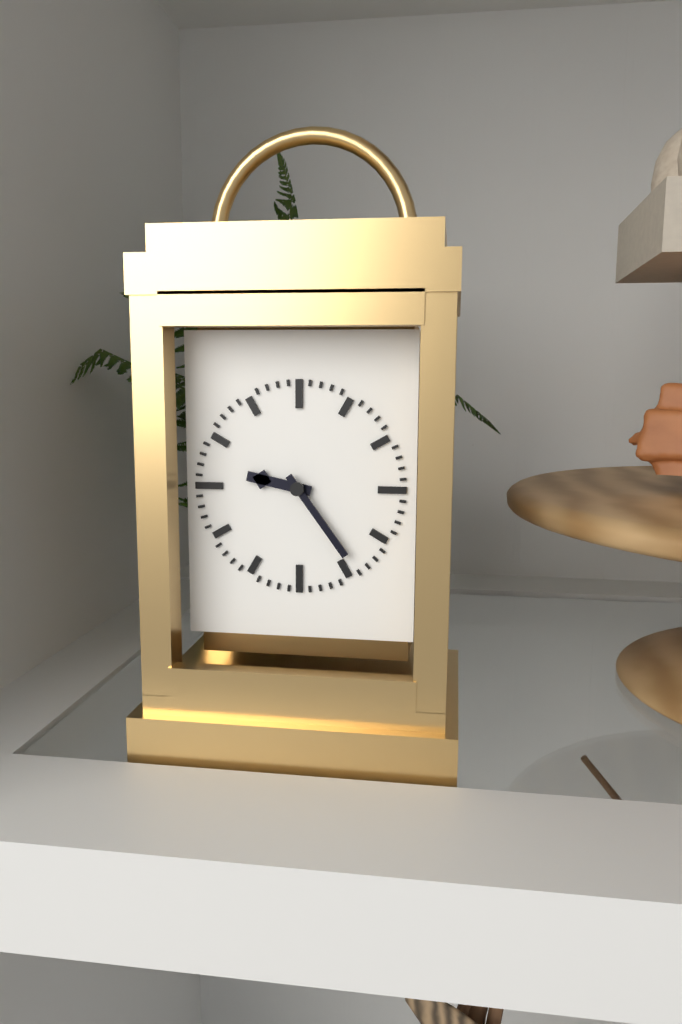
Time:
{"hour": 9, "minute": 24}
